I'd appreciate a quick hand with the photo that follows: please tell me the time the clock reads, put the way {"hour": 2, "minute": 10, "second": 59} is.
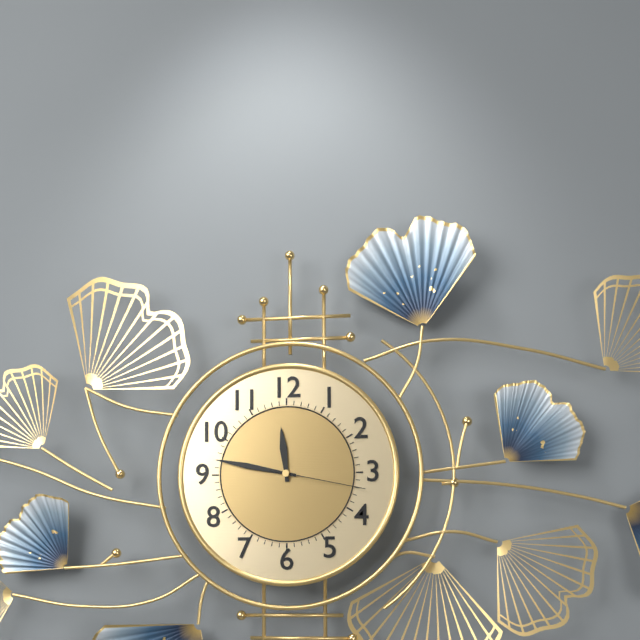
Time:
{"hour": 11, "minute": 47, "second": 17}
